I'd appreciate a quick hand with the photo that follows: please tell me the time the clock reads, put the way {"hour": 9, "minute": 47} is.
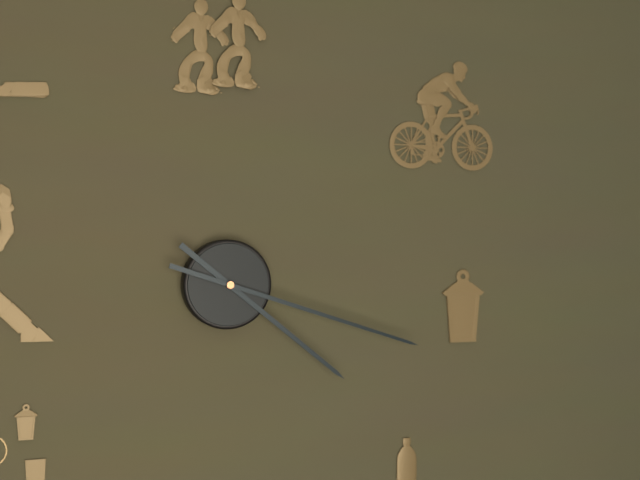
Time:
{"hour": 4, "minute": 18}
